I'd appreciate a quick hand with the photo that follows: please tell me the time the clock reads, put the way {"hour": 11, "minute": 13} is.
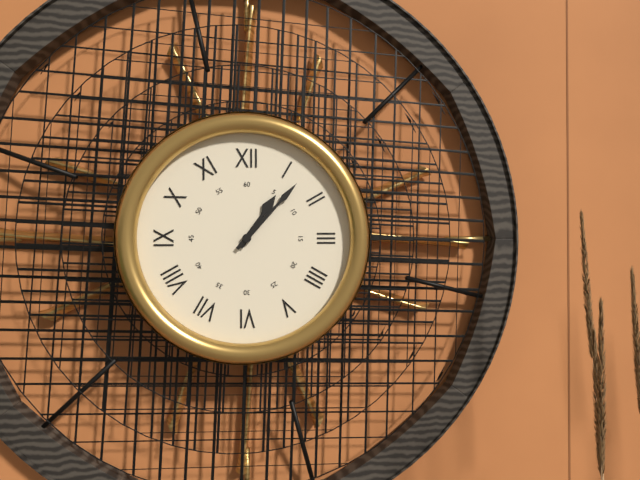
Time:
{"hour": 1, "minute": 7}
